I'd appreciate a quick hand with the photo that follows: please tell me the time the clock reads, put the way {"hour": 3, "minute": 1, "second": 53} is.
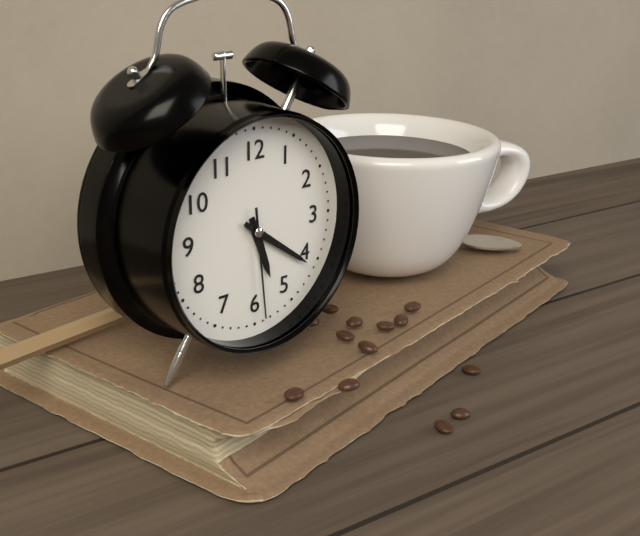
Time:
{"hour": 5, "minute": 21, "second": 29}
